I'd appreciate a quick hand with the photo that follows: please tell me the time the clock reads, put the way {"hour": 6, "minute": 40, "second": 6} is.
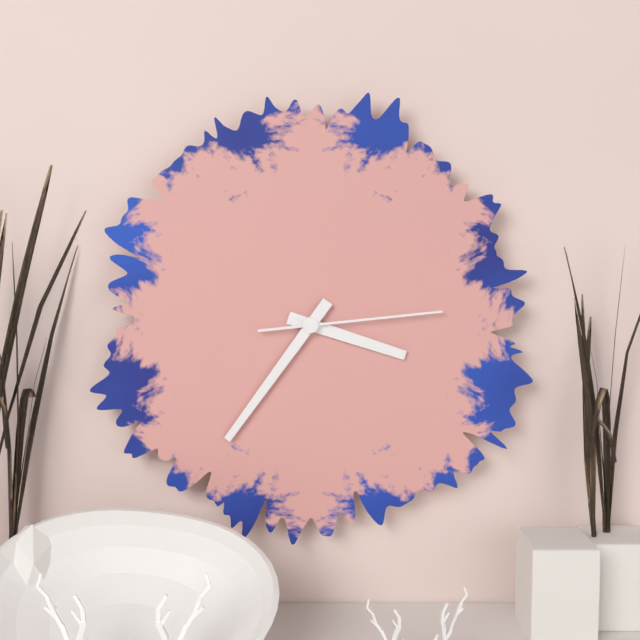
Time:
{"hour": 3, "minute": 36, "second": 14}
